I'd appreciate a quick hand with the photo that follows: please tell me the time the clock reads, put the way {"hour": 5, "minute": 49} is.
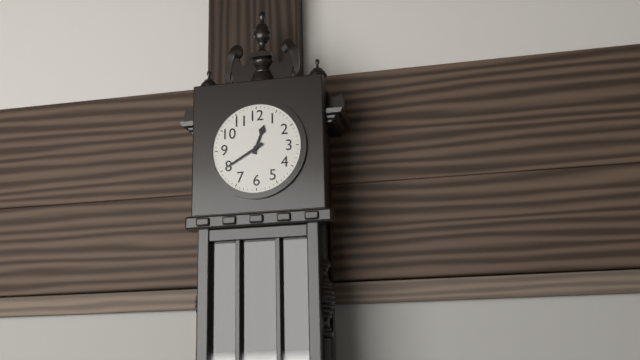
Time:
{"hour": 12, "minute": 40}
